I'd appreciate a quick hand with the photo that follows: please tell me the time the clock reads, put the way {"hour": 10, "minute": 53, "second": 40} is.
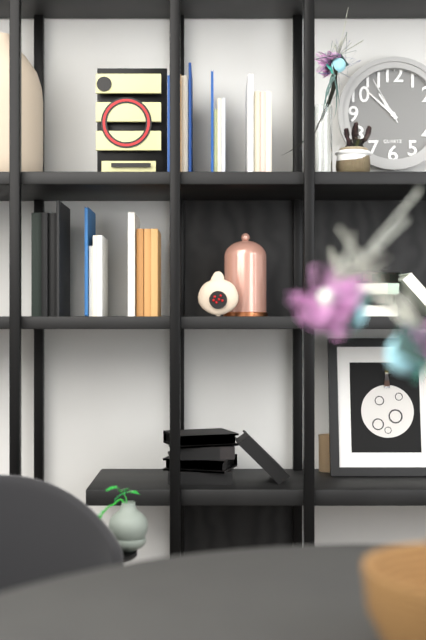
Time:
{"hour": 10, "minute": 52, "second": 55}
